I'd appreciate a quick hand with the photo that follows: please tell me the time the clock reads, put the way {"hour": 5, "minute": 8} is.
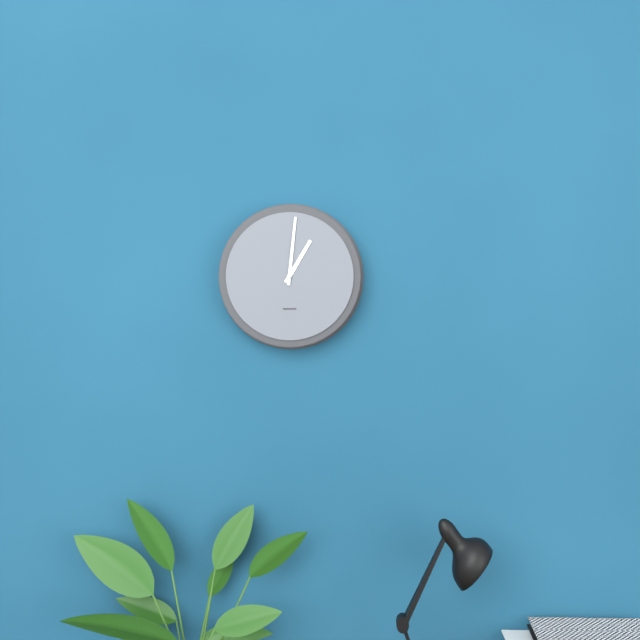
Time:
{"hour": 1, "minute": 1}
